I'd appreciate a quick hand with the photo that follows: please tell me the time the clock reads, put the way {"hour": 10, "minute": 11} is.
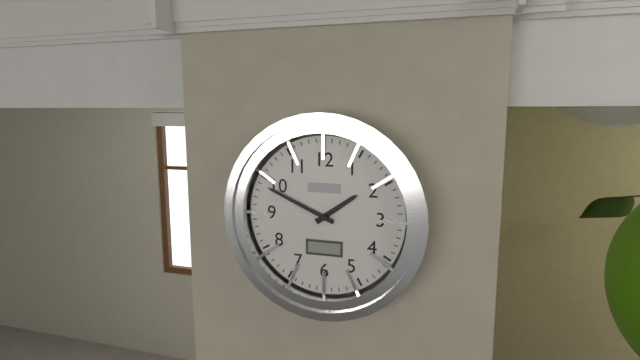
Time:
{"hour": 1, "minute": 49}
